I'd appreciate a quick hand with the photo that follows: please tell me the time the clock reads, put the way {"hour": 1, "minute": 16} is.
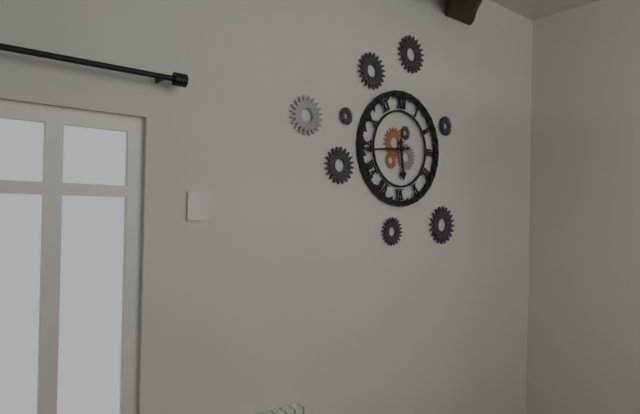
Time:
{"hour": 5, "minute": 44}
